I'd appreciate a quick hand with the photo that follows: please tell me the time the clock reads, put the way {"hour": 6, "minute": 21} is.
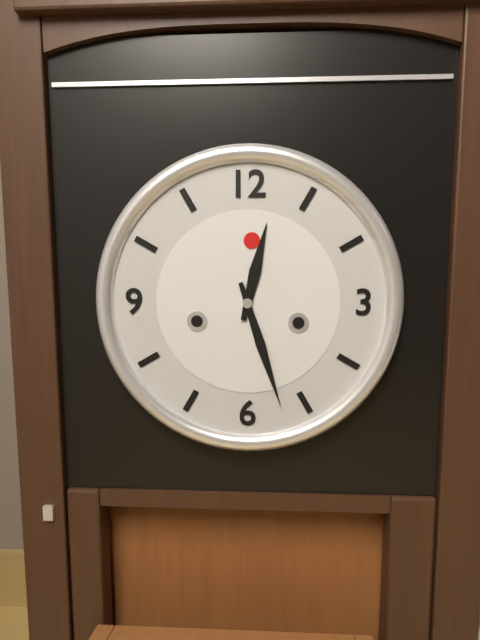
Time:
{"hour": 12, "minute": 27}
